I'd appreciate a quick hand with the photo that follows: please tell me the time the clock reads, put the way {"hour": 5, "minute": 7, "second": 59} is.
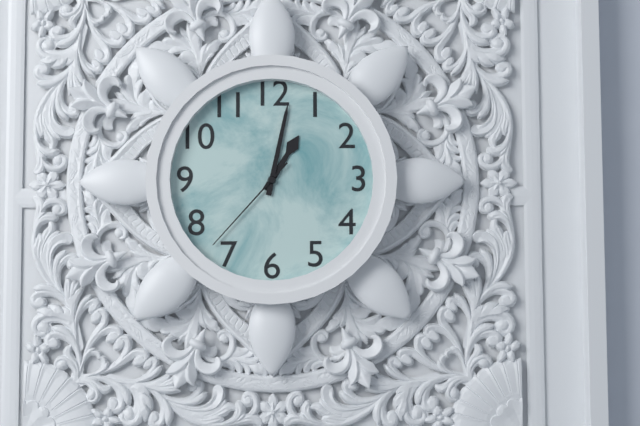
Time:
{"hour": 1, "minute": 2, "second": 37}
